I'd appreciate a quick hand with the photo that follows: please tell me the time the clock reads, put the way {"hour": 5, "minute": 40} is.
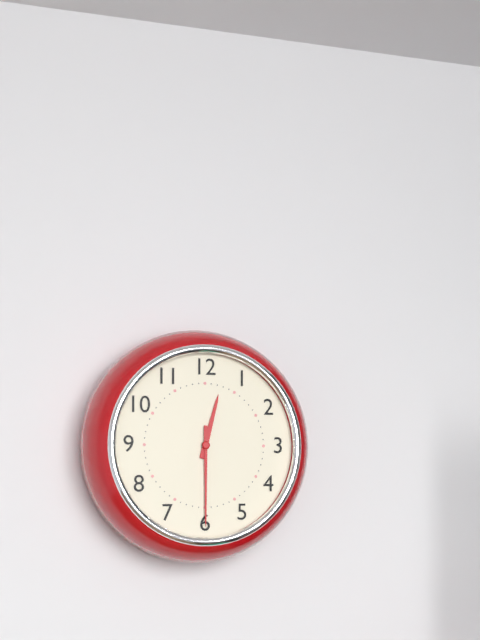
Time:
{"hour": 12, "minute": 30}
